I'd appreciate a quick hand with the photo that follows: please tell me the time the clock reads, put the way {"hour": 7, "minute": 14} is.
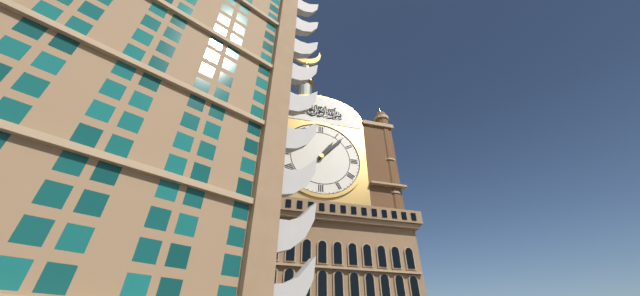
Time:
{"hour": 1, "minute": 7}
